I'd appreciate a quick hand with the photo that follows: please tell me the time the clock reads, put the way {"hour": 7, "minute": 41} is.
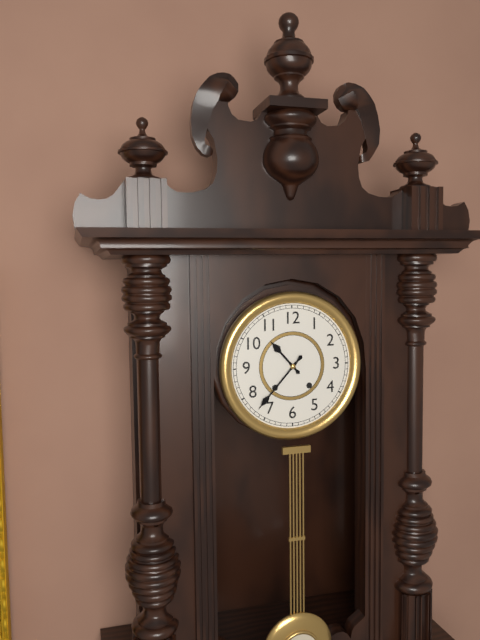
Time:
{"hour": 10, "minute": 37}
